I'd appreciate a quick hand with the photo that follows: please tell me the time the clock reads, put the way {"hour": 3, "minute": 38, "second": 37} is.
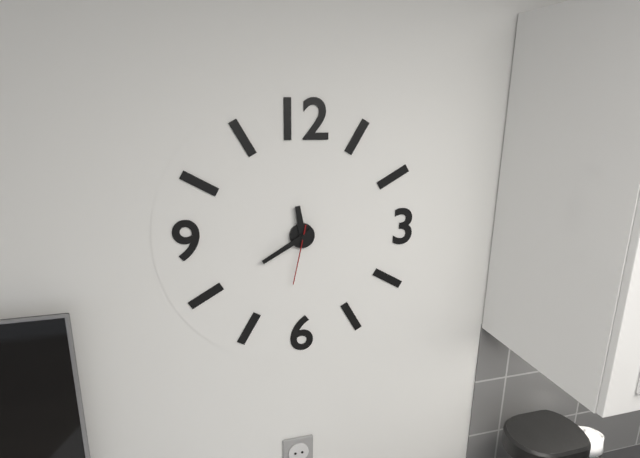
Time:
{"hour": 11, "minute": 40, "second": 32}
